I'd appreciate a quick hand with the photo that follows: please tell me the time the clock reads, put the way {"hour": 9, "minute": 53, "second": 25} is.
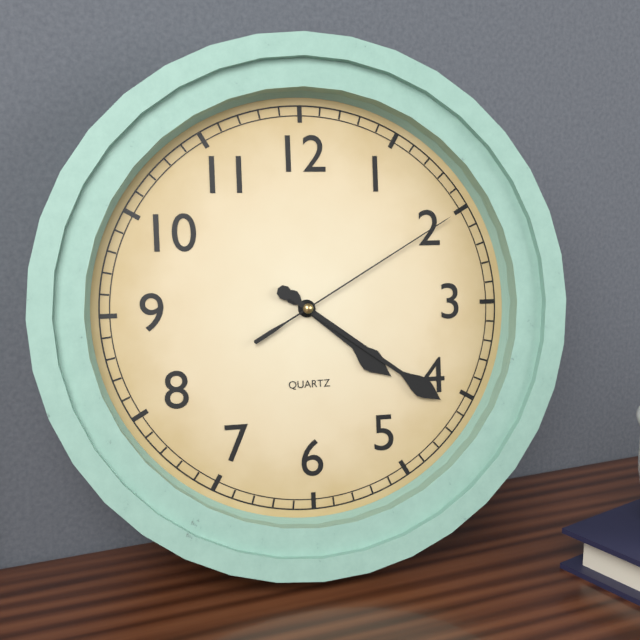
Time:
{"hour": 4, "minute": 21, "second": 10}
